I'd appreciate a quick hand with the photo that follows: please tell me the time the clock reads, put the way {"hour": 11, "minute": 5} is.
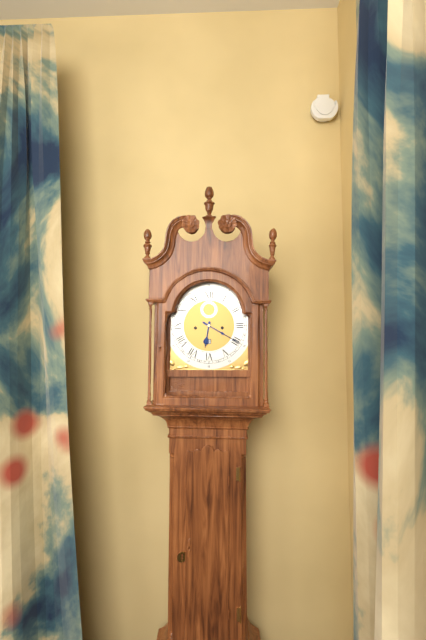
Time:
{"hour": 6, "minute": 20}
